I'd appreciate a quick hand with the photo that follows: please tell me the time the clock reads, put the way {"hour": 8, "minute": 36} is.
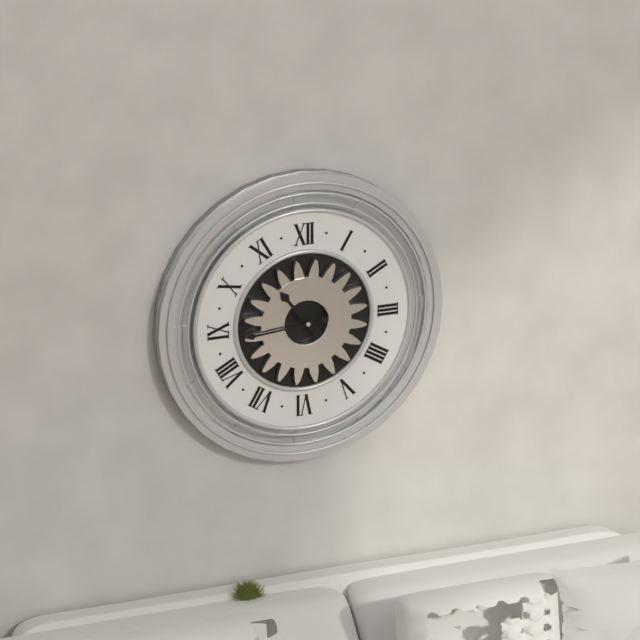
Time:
{"hour": 10, "minute": 44}
